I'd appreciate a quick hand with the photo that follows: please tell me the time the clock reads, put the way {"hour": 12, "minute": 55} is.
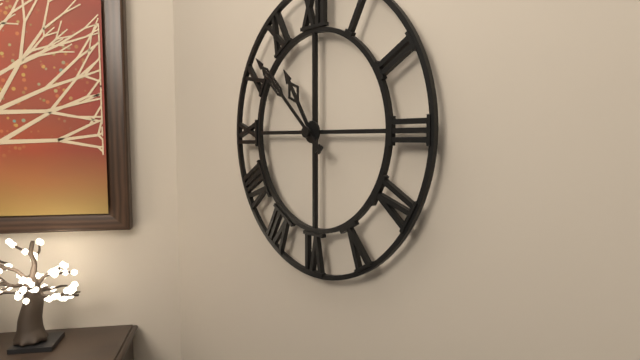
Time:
{"hour": 10, "minute": 52}
